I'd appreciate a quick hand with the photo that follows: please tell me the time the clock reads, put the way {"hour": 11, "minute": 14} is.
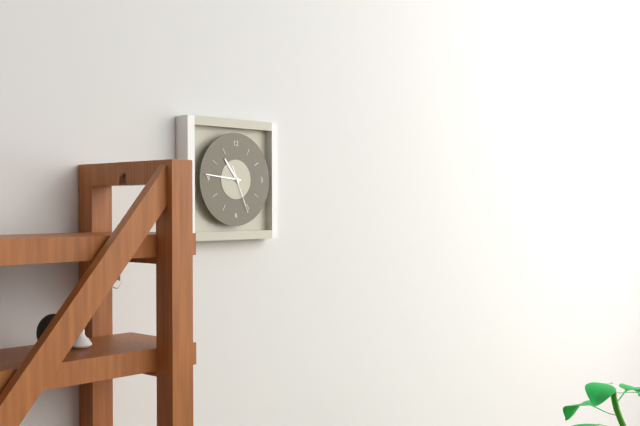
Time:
{"hour": 10, "minute": 46}
